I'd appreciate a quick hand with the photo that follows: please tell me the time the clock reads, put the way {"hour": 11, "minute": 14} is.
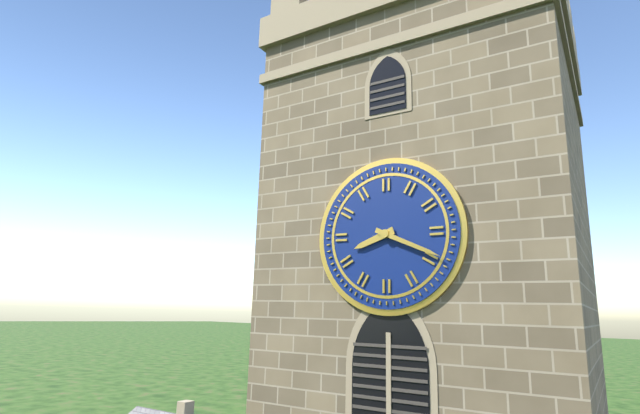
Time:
{"hour": 8, "minute": 19}
